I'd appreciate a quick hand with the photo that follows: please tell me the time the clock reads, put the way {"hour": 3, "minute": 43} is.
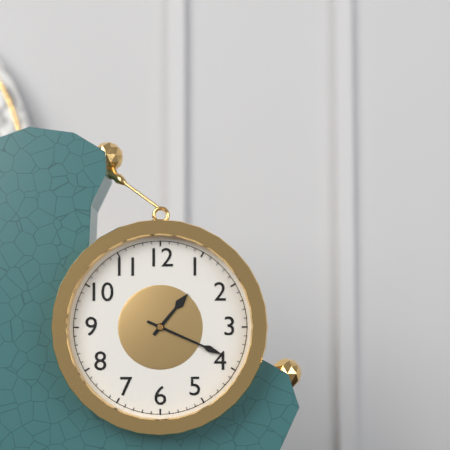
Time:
{"hour": 1, "minute": 19}
